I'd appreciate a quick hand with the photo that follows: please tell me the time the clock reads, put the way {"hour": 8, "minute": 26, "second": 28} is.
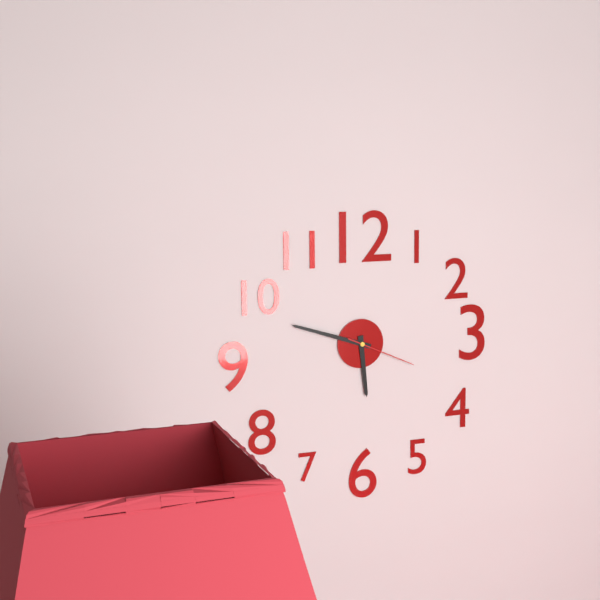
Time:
{"hour": 5, "minute": 48, "second": 19}
